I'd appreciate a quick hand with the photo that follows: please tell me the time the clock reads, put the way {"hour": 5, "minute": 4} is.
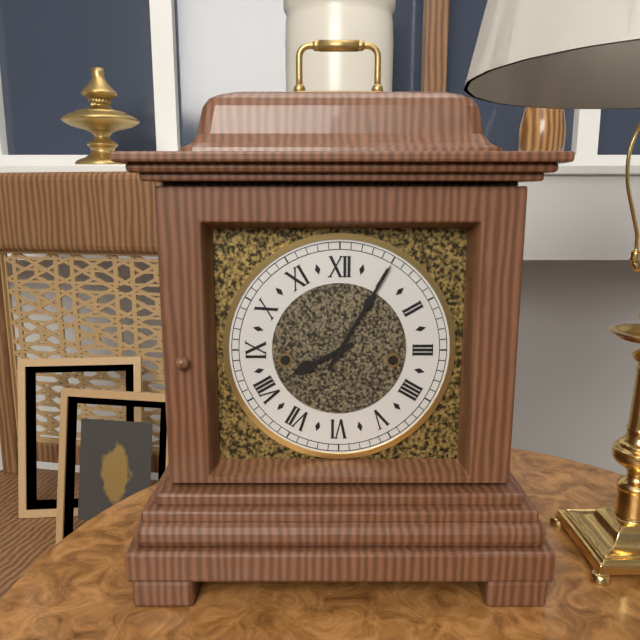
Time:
{"hour": 8, "minute": 5}
